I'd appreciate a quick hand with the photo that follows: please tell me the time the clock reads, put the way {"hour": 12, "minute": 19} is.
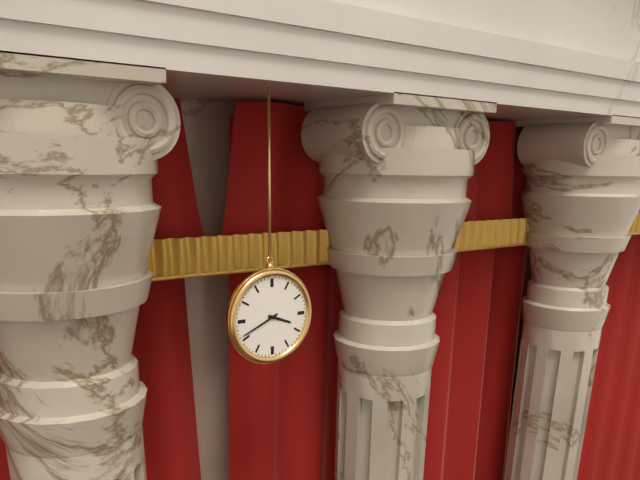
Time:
{"hour": 3, "minute": 41}
